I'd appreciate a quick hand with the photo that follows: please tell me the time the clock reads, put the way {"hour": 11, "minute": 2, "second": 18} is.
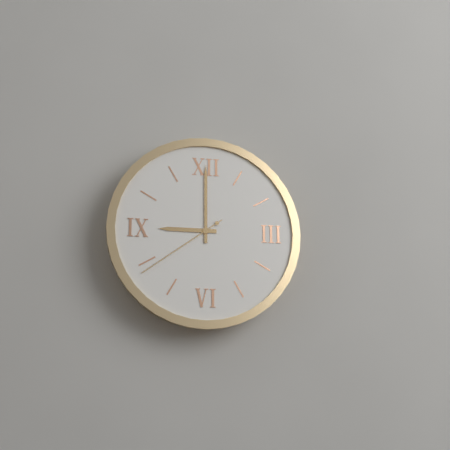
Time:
{"hour": 9, "minute": 0, "second": 39}
